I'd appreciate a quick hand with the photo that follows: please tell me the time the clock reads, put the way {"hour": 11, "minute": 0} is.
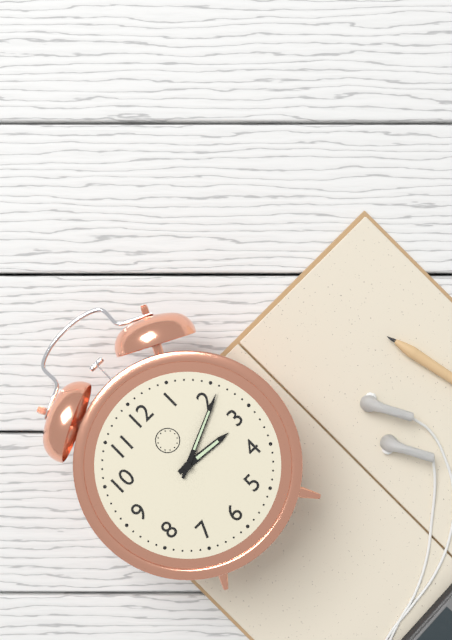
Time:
{"hour": 3, "minute": 11}
